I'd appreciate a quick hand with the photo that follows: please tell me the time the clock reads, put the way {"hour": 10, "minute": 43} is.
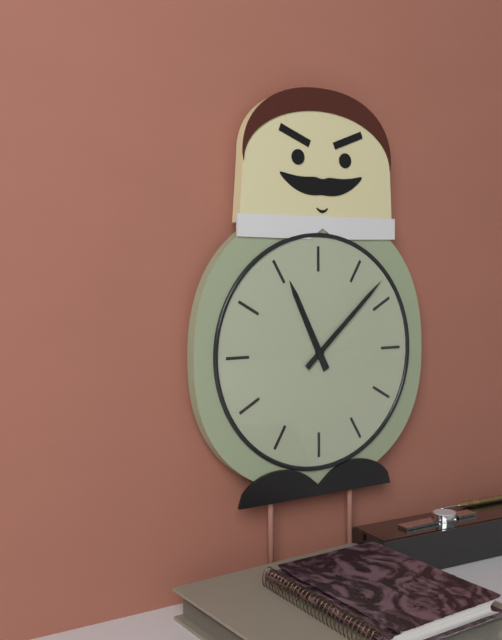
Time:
{"hour": 11, "minute": 8}
